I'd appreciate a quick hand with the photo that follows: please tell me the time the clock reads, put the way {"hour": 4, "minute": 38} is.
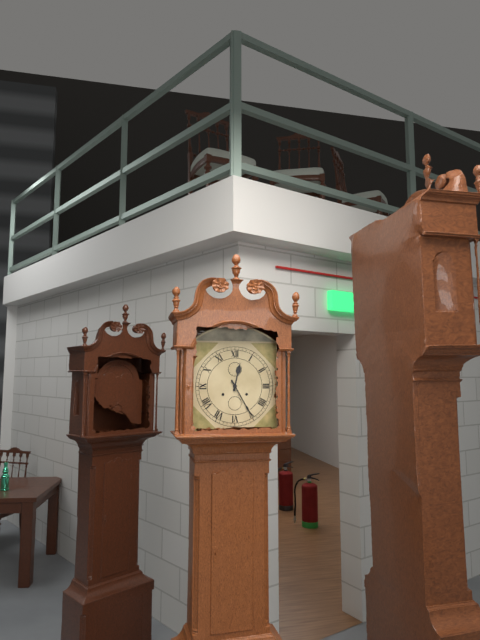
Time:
{"hour": 12, "minute": 25}
